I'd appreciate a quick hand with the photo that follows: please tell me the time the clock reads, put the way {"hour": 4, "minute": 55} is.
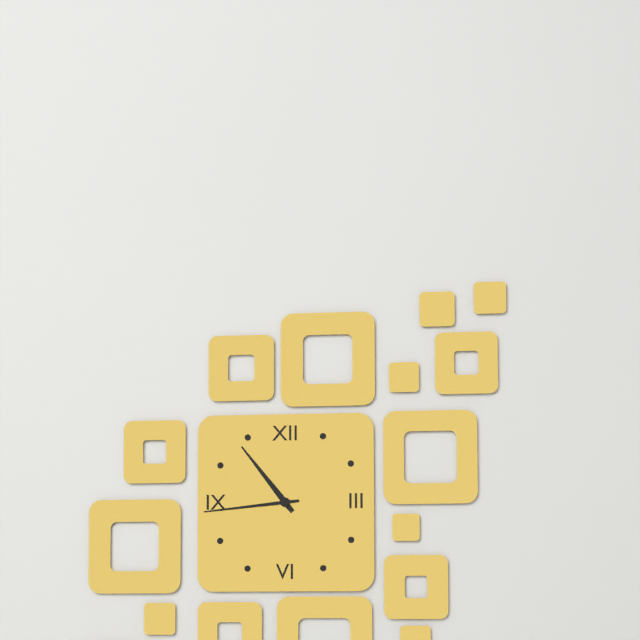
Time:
{"hour": 10, "minute": 44}
